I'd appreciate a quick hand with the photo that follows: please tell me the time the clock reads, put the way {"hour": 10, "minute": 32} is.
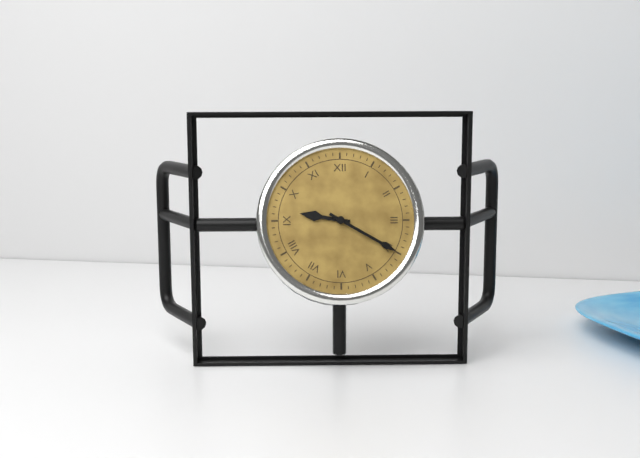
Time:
{"hour": 9, "minute": 20}
